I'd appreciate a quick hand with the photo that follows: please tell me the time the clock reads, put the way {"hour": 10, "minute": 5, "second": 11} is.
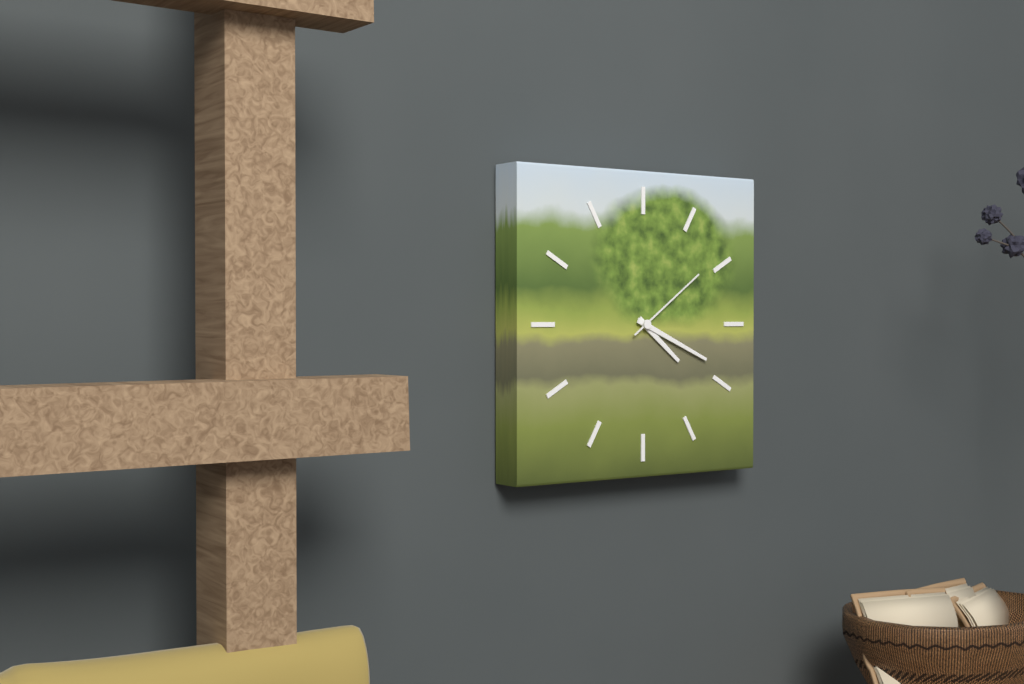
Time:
{"hour": 4, "minute": 19, "second": 9}
